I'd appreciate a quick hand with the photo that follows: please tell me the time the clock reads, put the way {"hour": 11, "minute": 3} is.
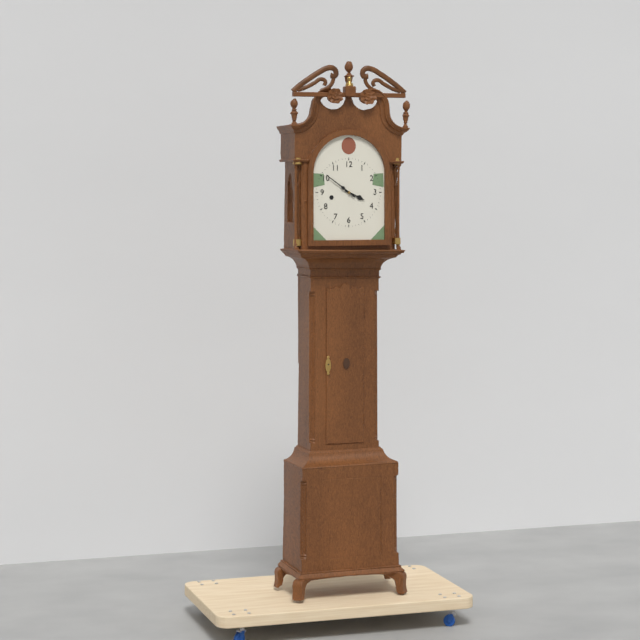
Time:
{"hour": 3, "minute": 51}
